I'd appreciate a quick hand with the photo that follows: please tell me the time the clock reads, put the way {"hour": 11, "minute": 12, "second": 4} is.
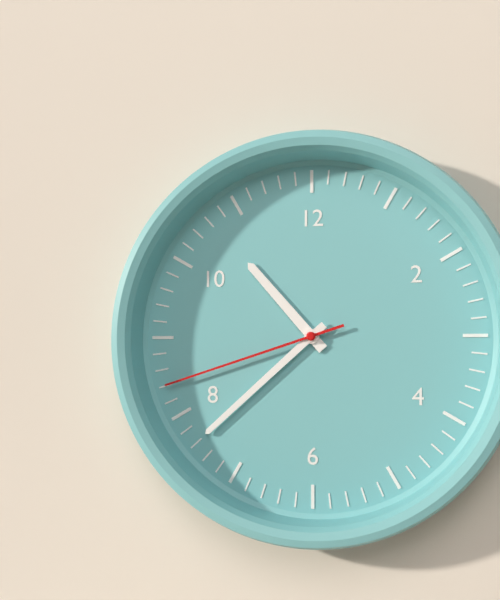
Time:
{"hour": 10, "minute": 38, "second": 42}
